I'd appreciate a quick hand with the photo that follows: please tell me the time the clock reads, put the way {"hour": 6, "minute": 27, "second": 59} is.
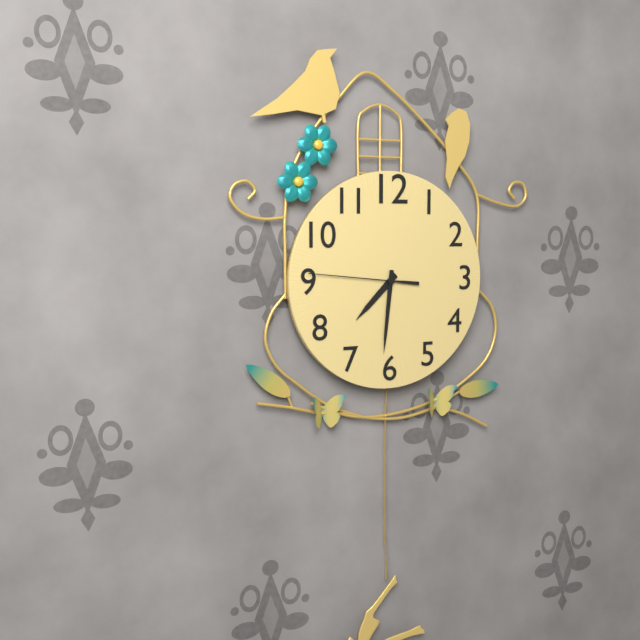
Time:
{"hour": 7, "minute": 31, "second": 46}
